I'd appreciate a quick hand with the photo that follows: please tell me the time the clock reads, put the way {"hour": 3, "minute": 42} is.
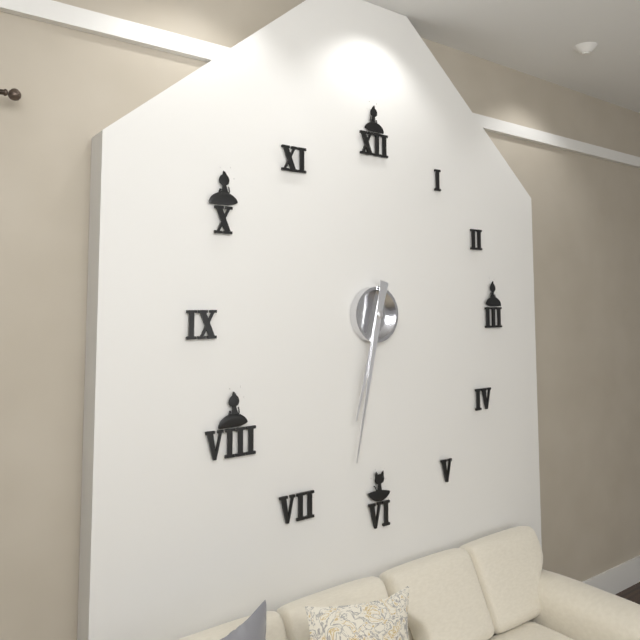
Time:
{"hour": 6, "minute": 32}
